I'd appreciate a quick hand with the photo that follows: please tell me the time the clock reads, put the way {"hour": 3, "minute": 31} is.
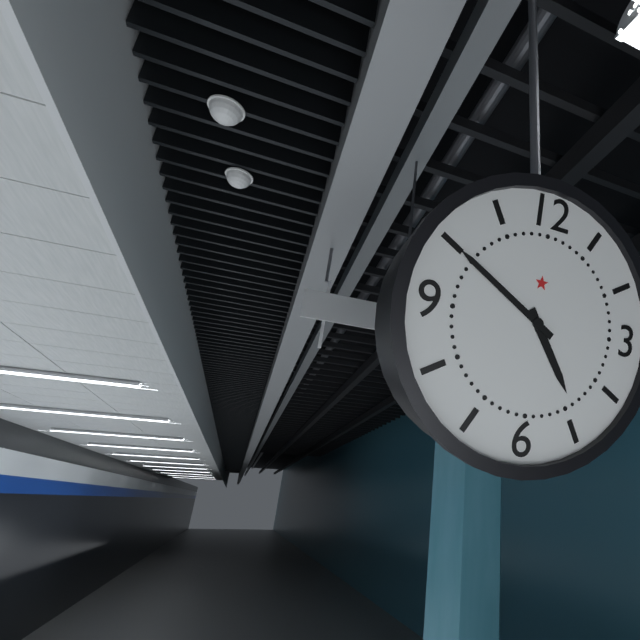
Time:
{"hour": 4, "minute": 50}
